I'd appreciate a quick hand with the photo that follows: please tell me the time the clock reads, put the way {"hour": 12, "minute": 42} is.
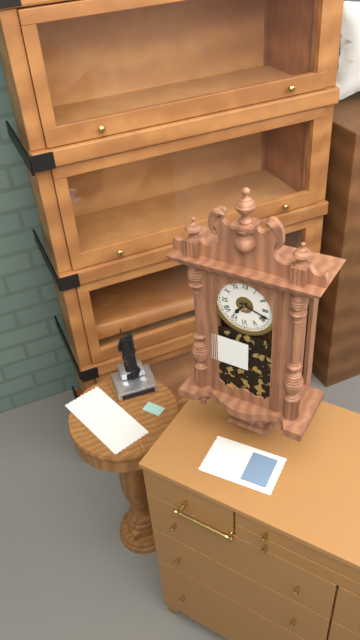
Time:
{"hour": 7, "minute": 18}
